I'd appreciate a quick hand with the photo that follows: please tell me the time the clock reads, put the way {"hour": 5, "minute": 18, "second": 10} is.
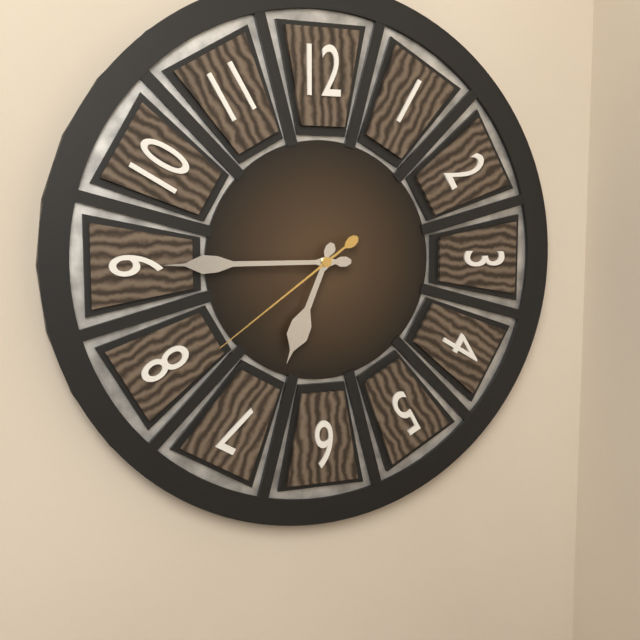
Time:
{"hour": 6, "minute": 45, "second": 39}
